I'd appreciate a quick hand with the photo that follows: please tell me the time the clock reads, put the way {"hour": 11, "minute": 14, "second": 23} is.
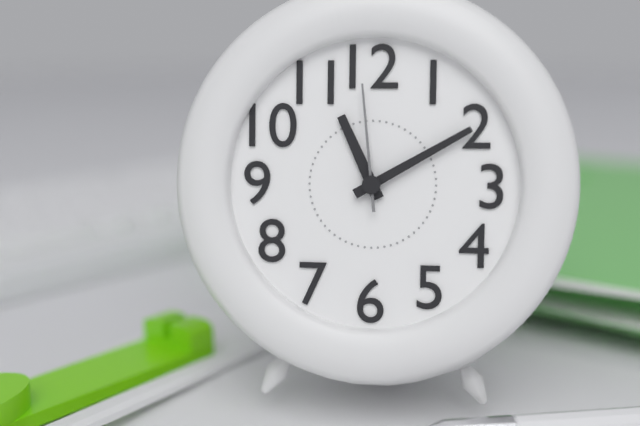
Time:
{"hour": 11, "minute": 10, "second": 59}
